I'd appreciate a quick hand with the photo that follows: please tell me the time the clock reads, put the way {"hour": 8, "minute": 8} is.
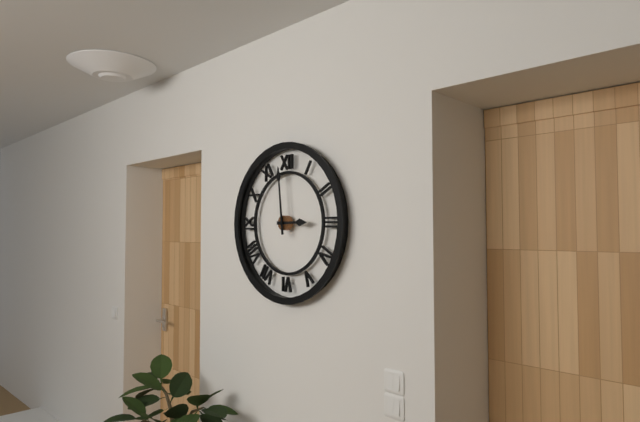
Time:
{"hour": 2, "minute": 59}
